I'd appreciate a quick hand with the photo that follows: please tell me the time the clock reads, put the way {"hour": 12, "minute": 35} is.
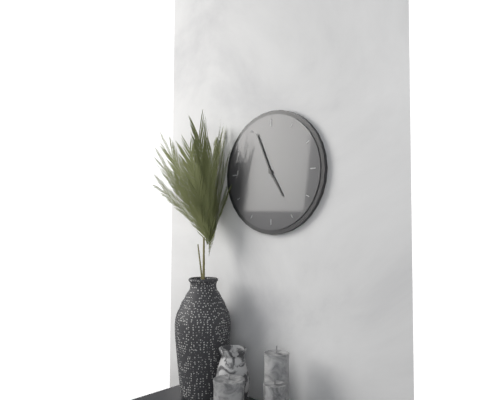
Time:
{"hour": 4, "minute": 56}
